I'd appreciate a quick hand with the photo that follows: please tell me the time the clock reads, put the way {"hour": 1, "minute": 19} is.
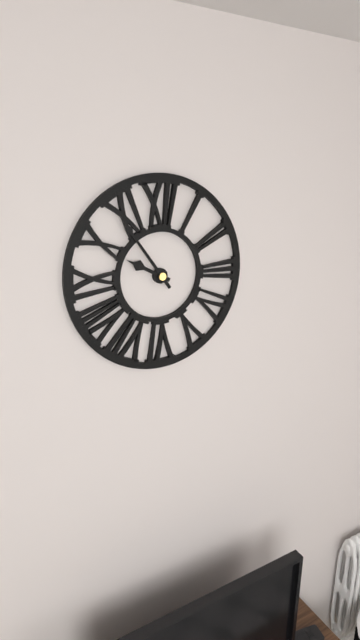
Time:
{"hour": 9, "minute": 54}
